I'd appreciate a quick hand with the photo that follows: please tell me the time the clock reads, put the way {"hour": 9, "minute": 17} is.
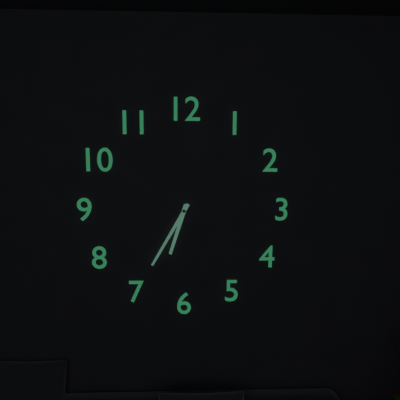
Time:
{"hour": 6, "minute": 35}
